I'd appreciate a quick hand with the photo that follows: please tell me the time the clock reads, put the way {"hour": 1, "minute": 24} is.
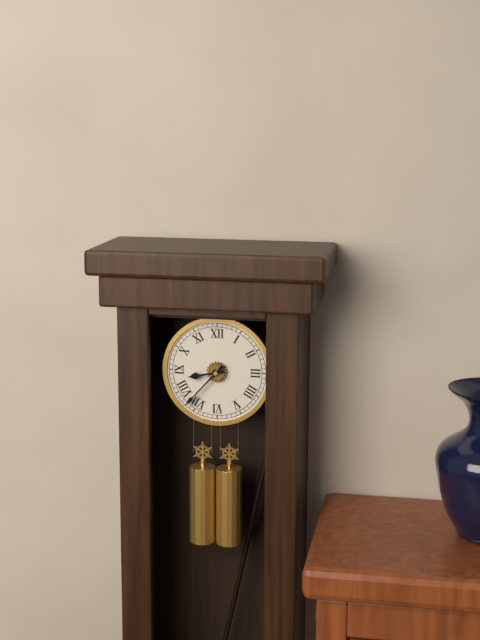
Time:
{"hour": 8, "minute": 37}
